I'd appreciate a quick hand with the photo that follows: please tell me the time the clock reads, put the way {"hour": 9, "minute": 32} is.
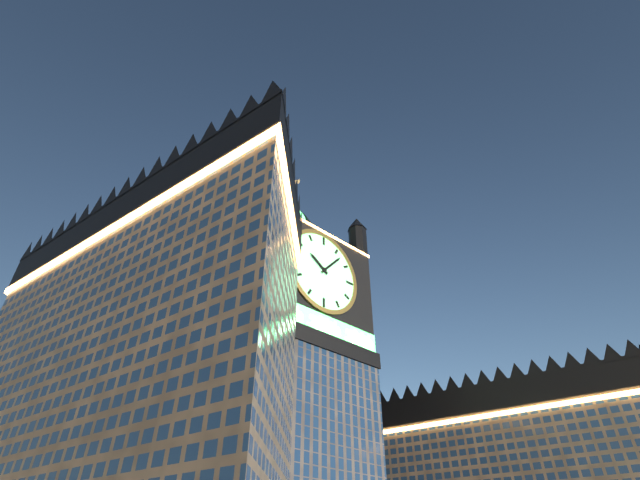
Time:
{"hour": 10, "minute": 7}
